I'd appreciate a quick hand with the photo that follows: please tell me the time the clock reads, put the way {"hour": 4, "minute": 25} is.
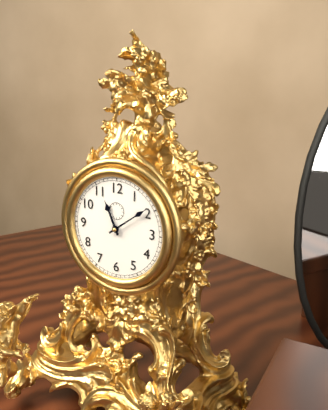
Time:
{"hour": 11, "minute": 9}
